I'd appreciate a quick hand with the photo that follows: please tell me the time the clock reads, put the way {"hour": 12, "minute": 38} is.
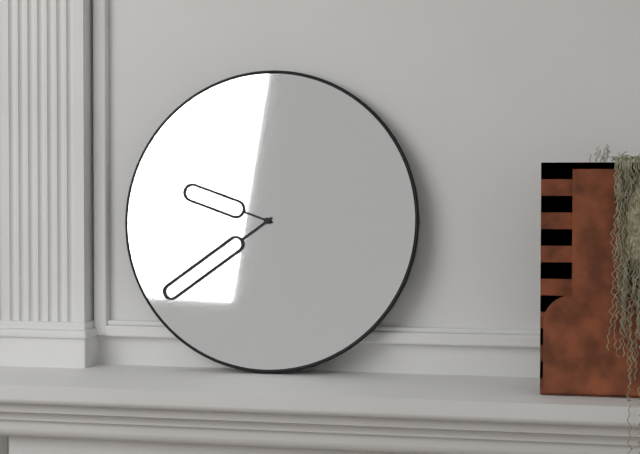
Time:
{"hour": 9, "minute": 39}
